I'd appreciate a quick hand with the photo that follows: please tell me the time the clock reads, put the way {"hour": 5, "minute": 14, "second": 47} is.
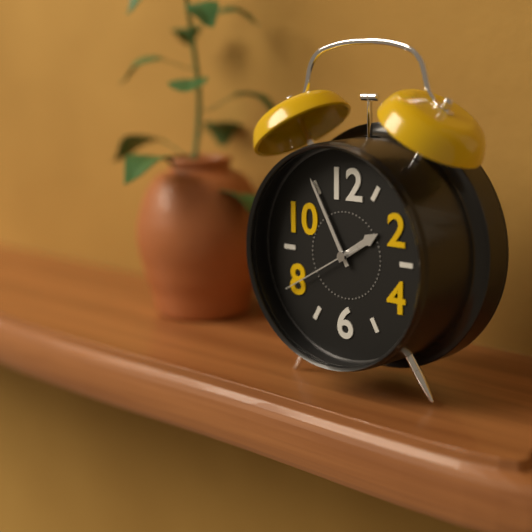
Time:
{"hour": 1, "minute": 55, "second": 40}
